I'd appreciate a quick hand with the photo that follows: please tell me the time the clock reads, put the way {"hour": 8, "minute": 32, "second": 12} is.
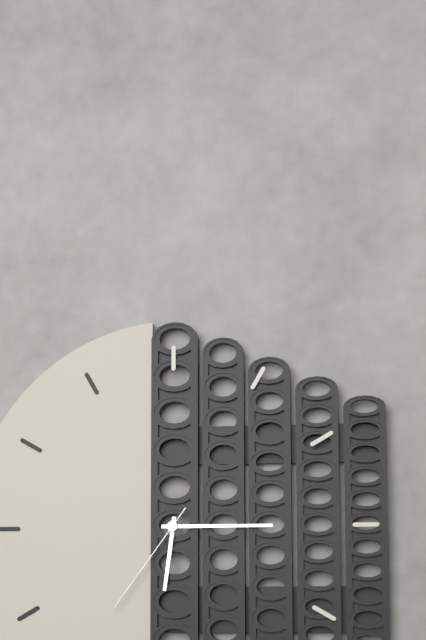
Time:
{"hour": 6, "minute": 15, "second": 36}
